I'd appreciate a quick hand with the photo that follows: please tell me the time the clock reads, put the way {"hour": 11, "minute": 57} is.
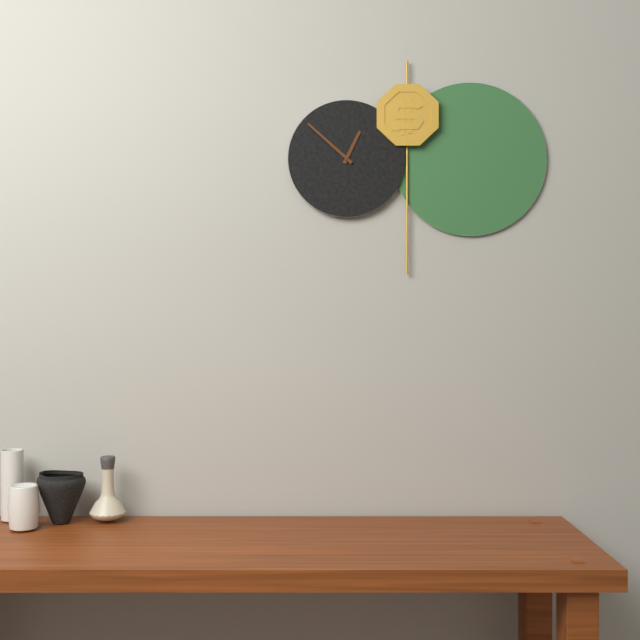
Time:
{"hour": 12, "minute": 52}
